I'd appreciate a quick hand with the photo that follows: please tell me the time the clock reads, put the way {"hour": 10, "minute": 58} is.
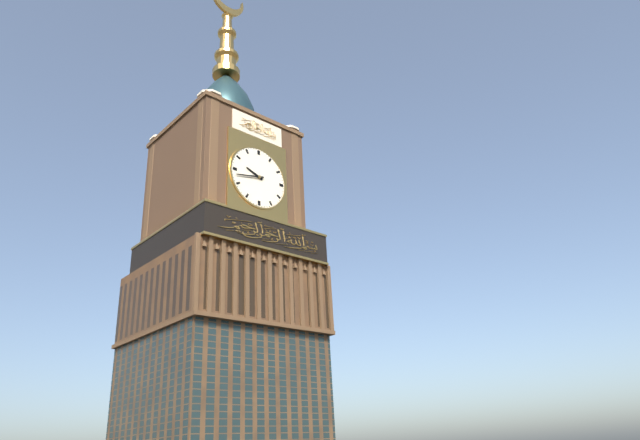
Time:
{"hour": 9, "minute": 43}
